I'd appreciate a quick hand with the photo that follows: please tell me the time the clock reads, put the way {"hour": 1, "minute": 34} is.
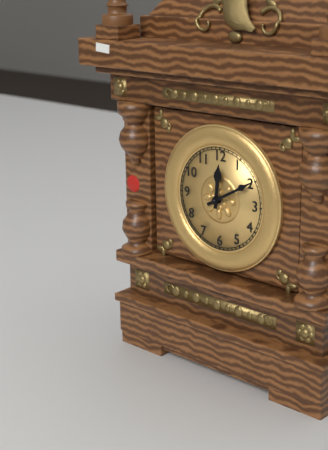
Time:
{"hour": 12, "minute": 10}
